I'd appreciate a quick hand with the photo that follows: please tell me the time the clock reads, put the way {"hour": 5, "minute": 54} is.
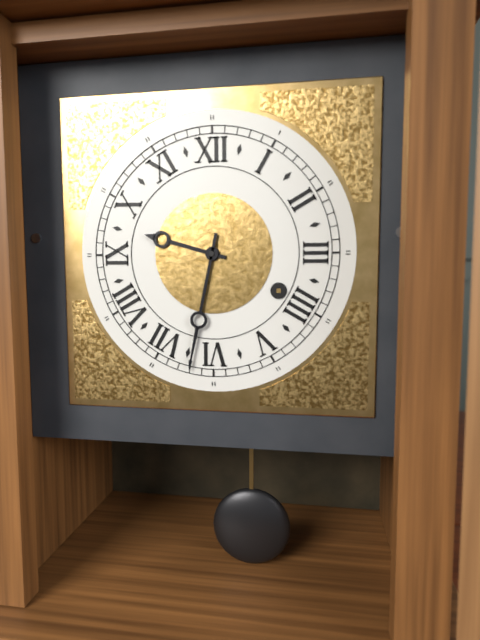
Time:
{"hour": 9, "minute": 32}
